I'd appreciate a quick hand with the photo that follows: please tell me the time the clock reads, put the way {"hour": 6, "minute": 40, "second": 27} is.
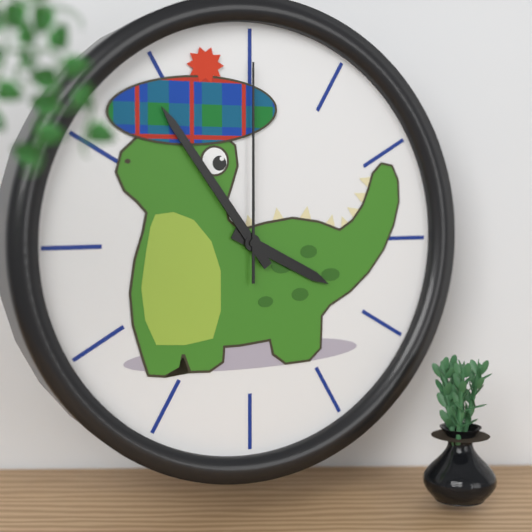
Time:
{"hour": 3, "minute": 54, "second": 0}
